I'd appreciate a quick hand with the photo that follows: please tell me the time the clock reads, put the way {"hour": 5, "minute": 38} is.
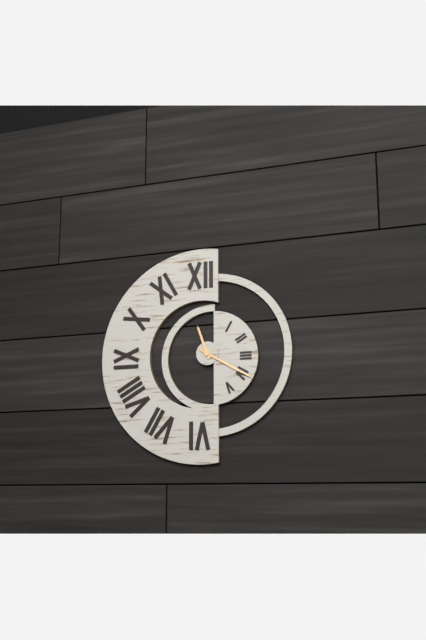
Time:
{"hour": 11, "minute": 20}
